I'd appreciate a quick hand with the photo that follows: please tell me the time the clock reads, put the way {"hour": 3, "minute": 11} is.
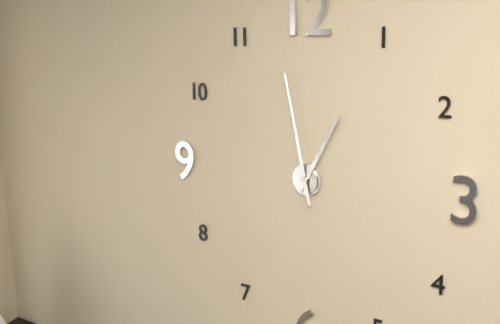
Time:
{"hour": 12, "minute": 58}
